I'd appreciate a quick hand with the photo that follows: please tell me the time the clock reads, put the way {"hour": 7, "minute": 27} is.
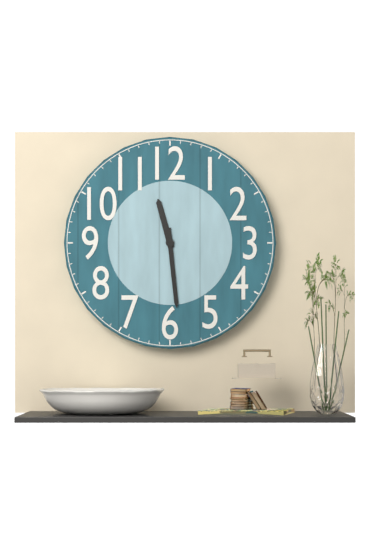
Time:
{"hour": 11, "minute": 29}
